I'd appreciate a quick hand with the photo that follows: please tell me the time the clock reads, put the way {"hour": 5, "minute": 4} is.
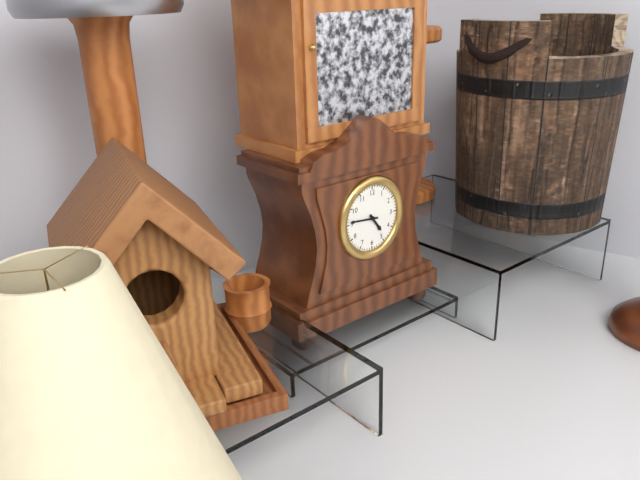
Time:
{"hour": 4, "minute": 46}
